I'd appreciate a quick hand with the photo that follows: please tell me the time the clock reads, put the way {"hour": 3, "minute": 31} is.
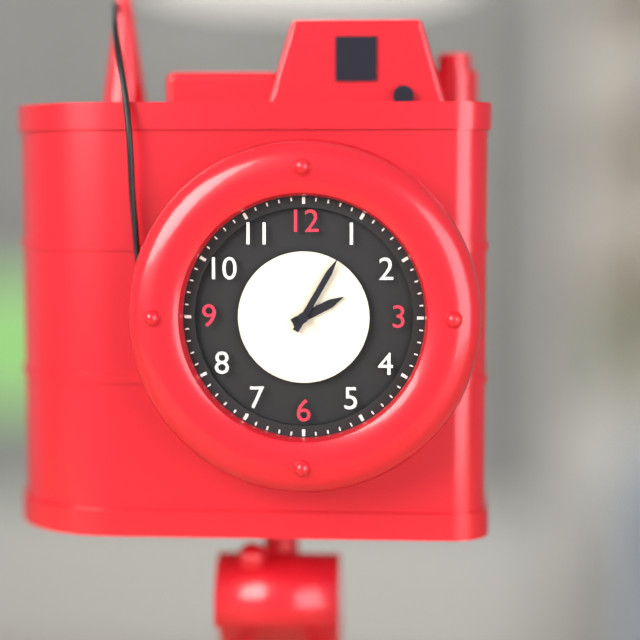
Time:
{"hour": 2, "minute": 5}
